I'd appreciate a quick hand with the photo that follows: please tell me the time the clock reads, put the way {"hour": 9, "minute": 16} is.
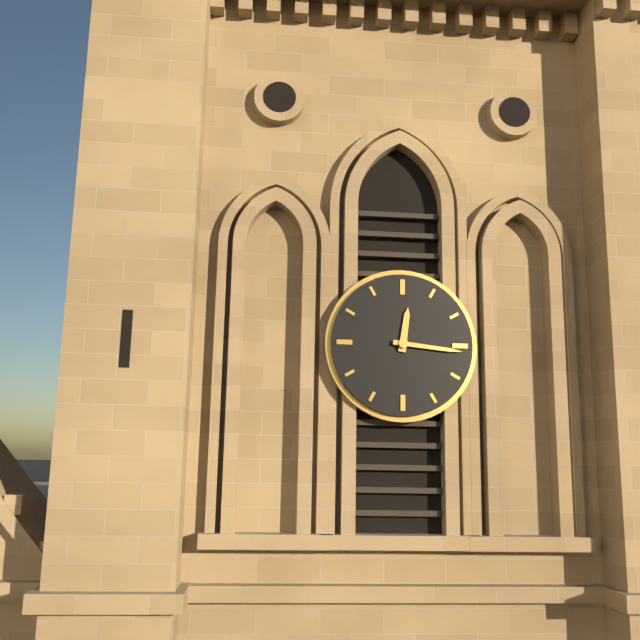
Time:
{"hour": 12, "minute": 16}
